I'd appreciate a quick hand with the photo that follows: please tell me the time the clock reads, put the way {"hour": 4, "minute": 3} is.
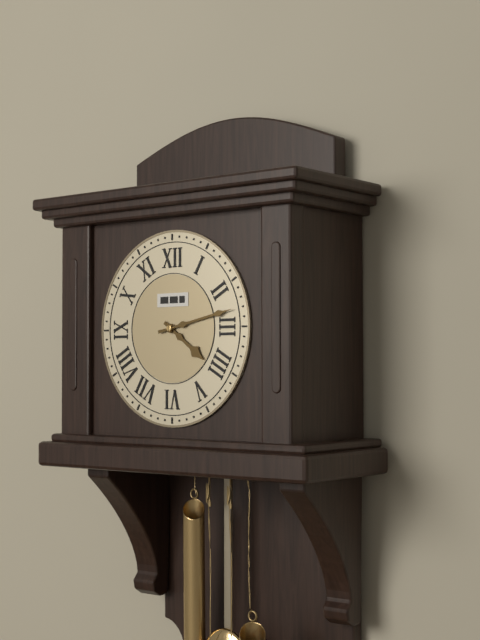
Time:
{"hour": 4, "minute": 13}
